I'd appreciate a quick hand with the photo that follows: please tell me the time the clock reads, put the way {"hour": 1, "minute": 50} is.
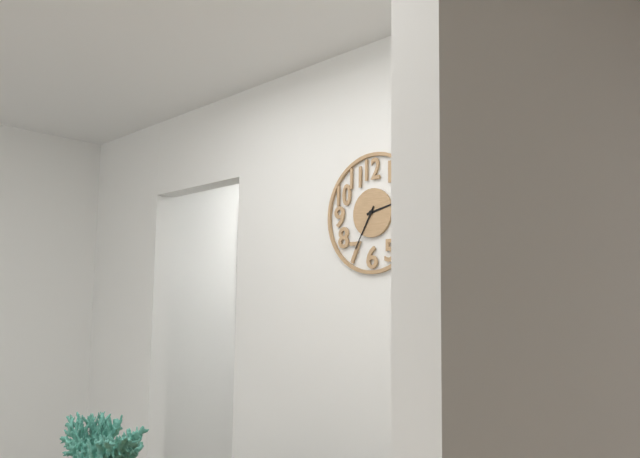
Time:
{"hour": 2, "minute": 35}
